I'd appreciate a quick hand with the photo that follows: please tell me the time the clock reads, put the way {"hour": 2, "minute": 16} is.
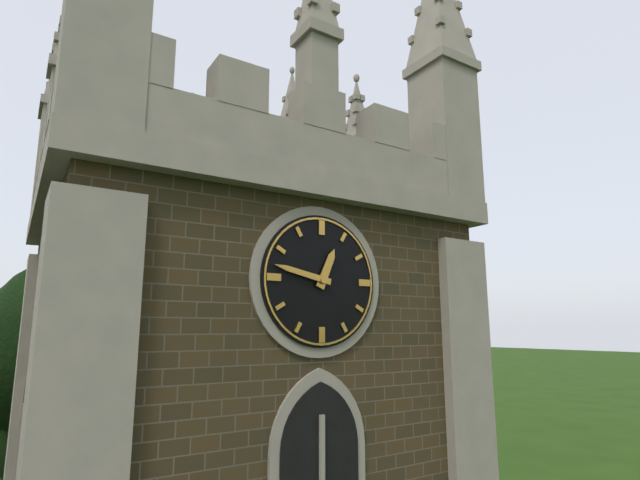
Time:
{"hour": 12, "minute": 47}
